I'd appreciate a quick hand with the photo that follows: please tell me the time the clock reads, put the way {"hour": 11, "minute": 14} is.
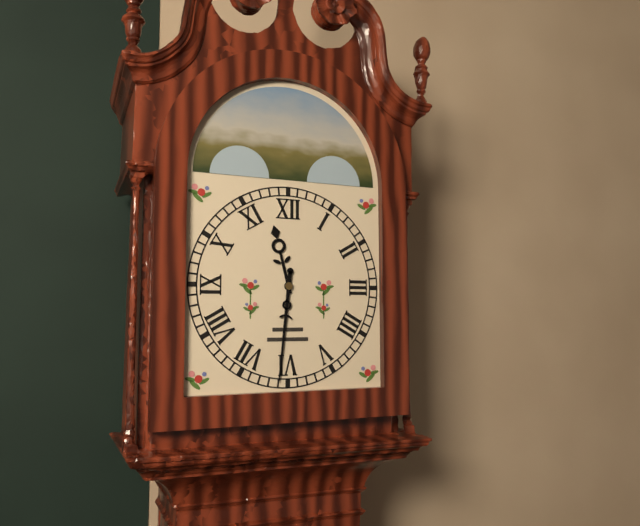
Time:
{"hour": 11, "minute": 31}
